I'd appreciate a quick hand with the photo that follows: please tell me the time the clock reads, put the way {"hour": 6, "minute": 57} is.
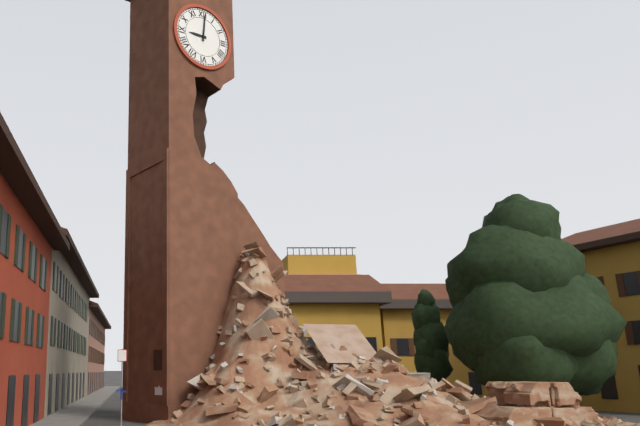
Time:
{"hour": 9, "minute": 1}
